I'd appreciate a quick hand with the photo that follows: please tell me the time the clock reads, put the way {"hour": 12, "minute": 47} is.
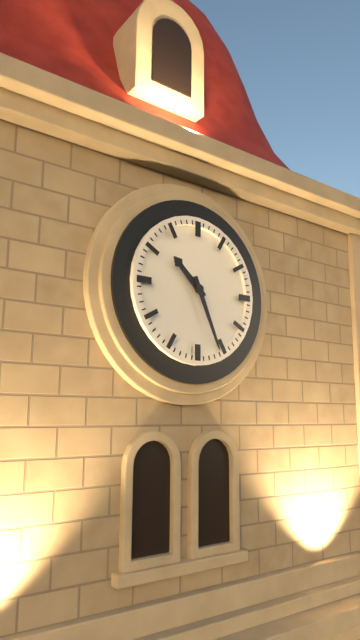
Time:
{"hour": 10, "minute": 26}
